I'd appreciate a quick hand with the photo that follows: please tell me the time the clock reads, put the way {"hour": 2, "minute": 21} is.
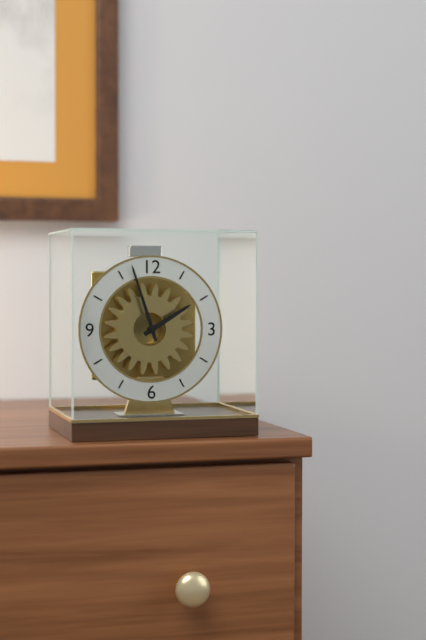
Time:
{"hour": 1, "minute": 57}
